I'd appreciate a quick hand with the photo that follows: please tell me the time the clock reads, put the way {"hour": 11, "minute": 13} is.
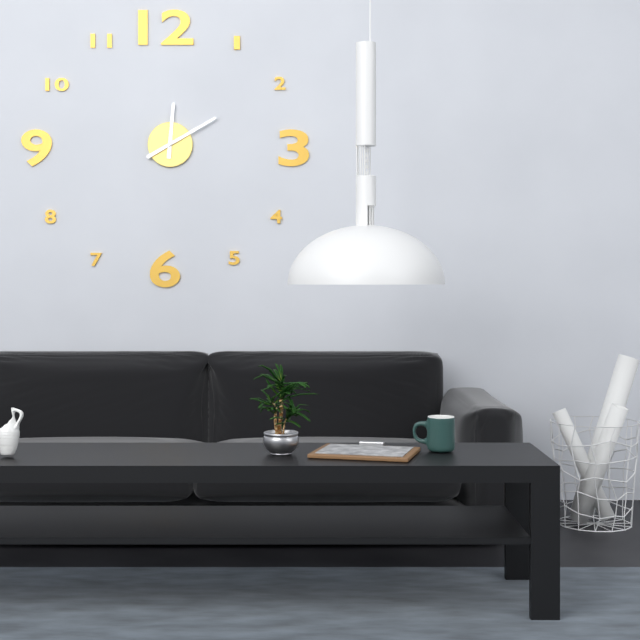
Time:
{"hour": 12, "minute": 10}
